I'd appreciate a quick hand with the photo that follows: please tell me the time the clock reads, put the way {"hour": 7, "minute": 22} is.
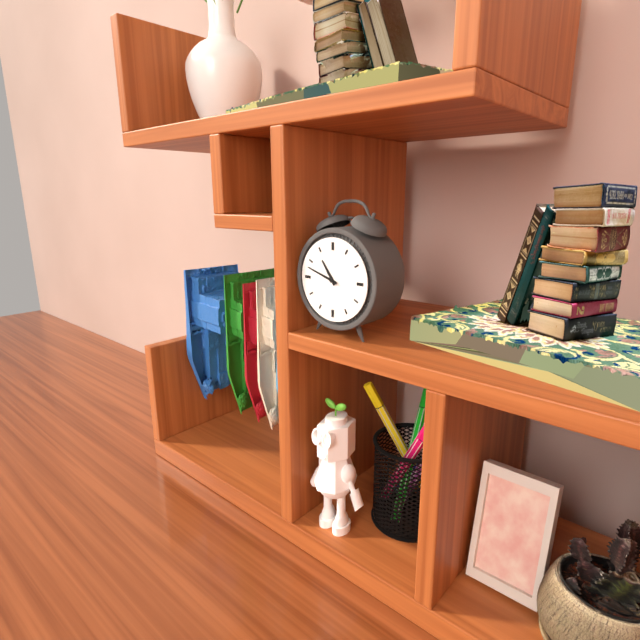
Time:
{"hour": 10, "minute": 48}
